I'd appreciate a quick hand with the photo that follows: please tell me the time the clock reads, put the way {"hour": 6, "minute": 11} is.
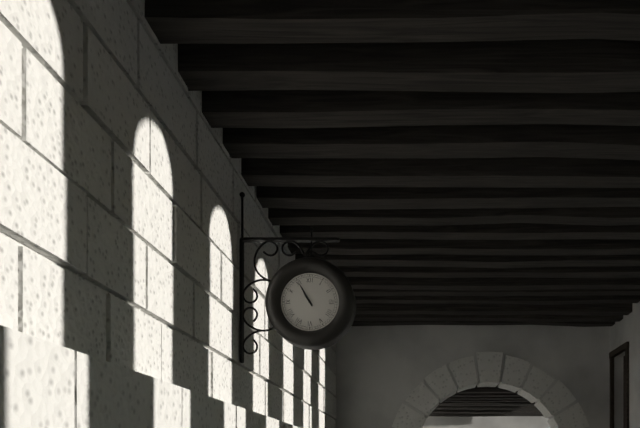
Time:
{"hour": 10, "minute": 55}
